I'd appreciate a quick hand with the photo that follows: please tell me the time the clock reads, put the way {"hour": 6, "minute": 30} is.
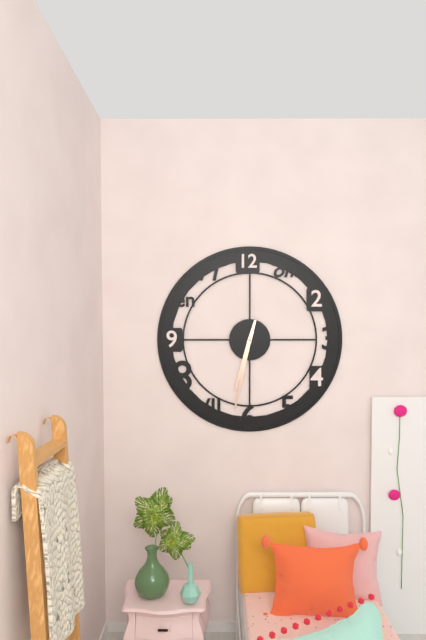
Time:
{"hour": 6, "minute": 32}
